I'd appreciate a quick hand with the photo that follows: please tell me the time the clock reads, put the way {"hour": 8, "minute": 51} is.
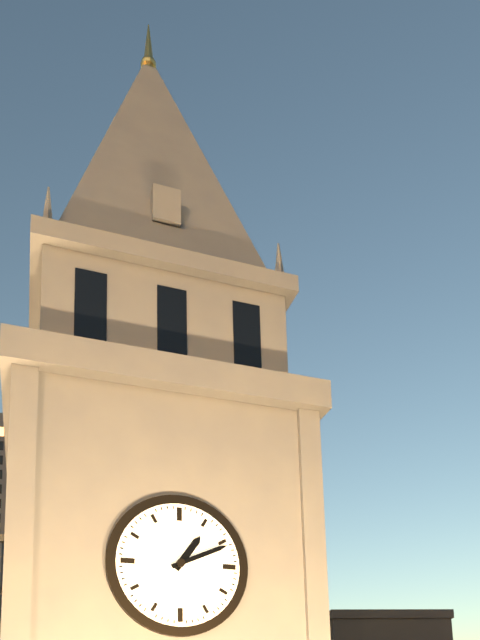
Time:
{"hour": 1, "minute": 11}
